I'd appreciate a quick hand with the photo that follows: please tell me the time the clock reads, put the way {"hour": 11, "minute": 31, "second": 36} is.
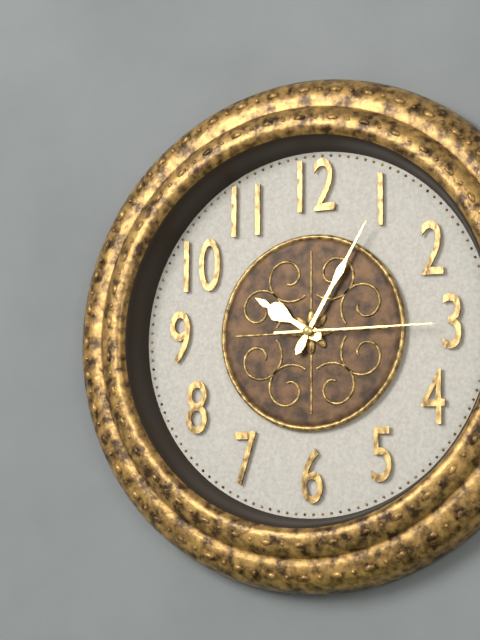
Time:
{"hour": 10, "minute": 5, "second": 15}
